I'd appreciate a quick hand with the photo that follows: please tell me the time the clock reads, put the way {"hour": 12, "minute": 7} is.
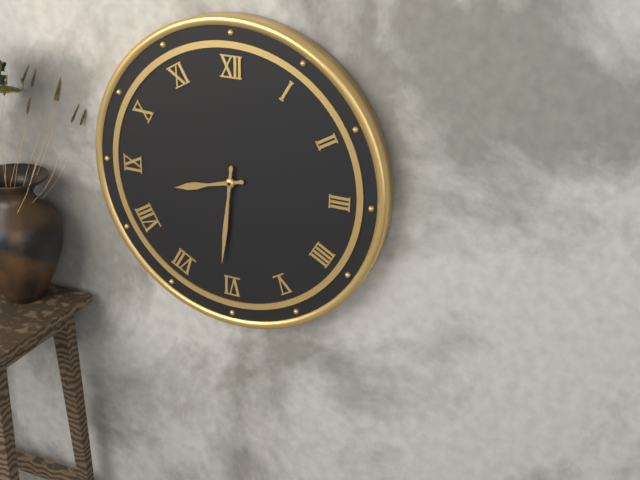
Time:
{"hour": 8, "minute": 31}
